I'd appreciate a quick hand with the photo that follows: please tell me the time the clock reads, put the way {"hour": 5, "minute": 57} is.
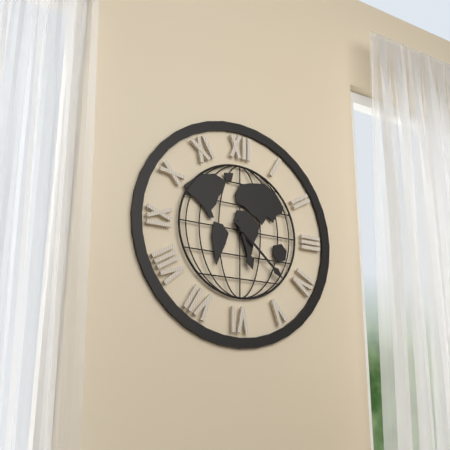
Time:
{"hour": 5, "minute": 22}
